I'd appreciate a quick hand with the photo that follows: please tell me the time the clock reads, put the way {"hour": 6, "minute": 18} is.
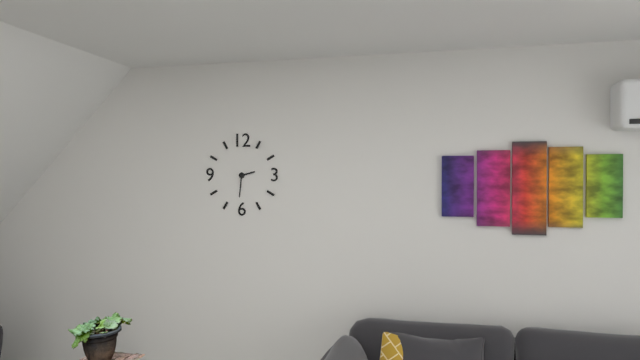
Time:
{"hour": 2, "minute": 31}
